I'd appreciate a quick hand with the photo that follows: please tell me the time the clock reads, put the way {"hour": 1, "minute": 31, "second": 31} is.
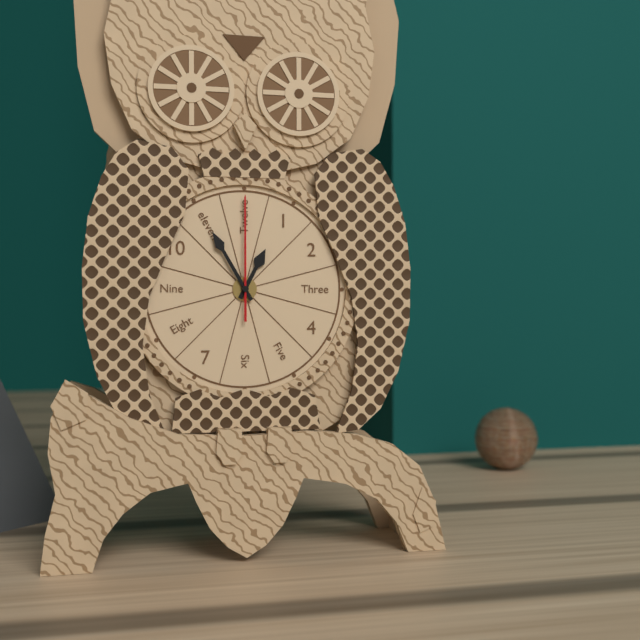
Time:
{"hour": 12, "minute": 55, "second": 0}
